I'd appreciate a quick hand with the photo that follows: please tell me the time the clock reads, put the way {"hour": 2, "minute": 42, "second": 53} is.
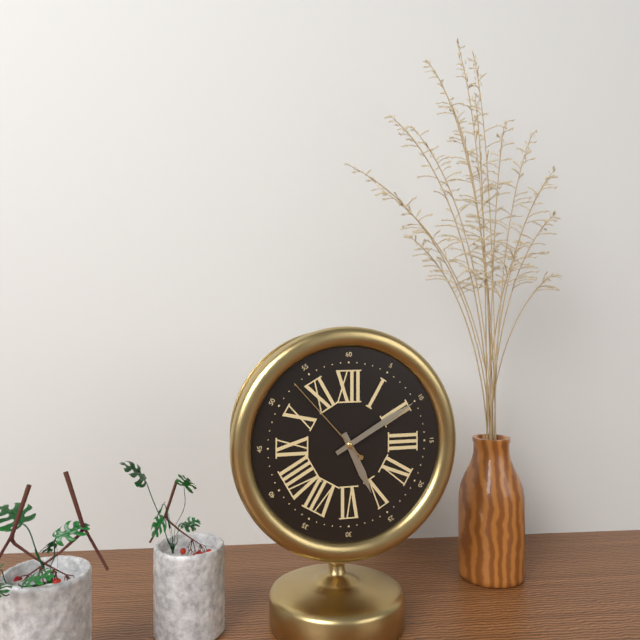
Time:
{"hour": 5, "minute": 10, "second": 53}
